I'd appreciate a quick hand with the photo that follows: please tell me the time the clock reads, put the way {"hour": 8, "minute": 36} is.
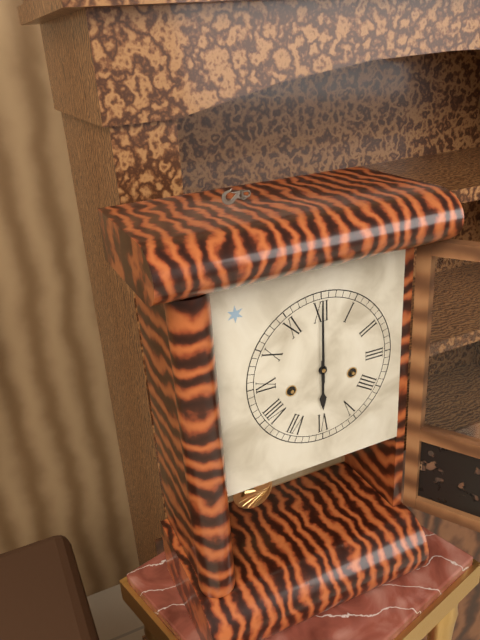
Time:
{"hour": 6, "minute": 0}
